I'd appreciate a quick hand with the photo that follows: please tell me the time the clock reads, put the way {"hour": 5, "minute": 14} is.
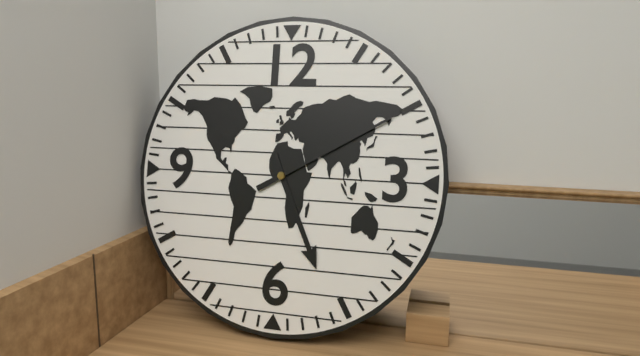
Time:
{"hour": 5, "minute": 10}
